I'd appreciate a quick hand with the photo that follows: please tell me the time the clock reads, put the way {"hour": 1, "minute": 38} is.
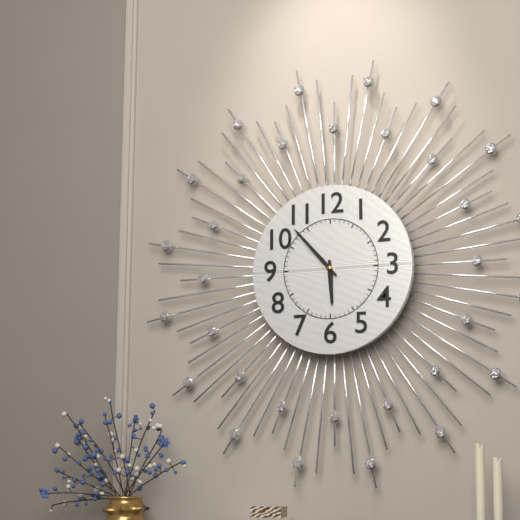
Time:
{"hour": 5, "minute": 53}
